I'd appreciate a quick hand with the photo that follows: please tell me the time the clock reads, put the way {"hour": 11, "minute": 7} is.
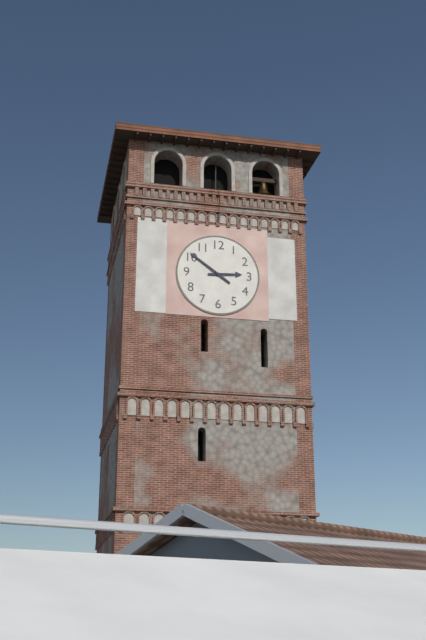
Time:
{"hour": 2, "minute": 51}
